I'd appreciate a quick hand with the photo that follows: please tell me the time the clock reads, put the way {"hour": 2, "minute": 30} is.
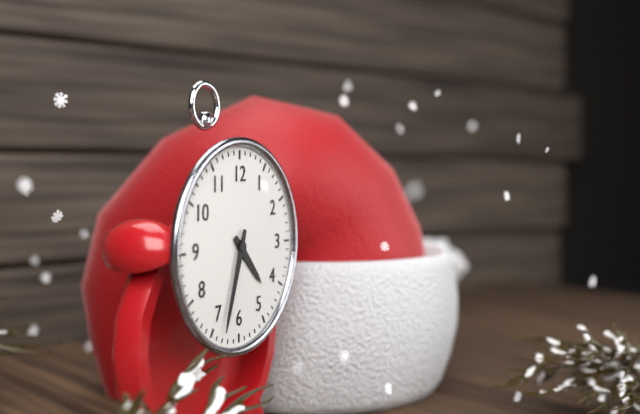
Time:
{"hour": 4, "minute": 33}
